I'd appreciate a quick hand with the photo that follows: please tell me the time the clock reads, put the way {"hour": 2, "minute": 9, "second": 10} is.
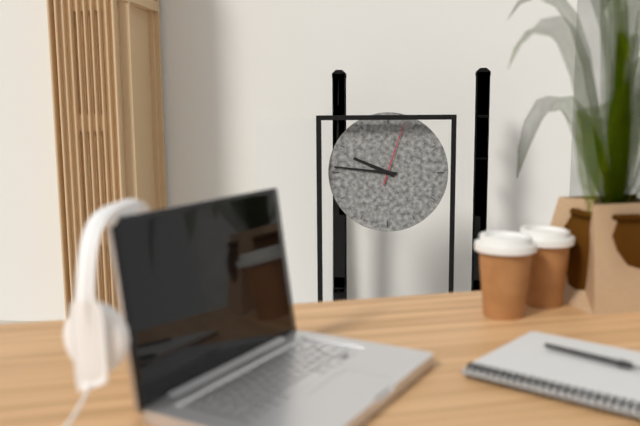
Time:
{"hour": 9, "minute": 46, "second": 3}
